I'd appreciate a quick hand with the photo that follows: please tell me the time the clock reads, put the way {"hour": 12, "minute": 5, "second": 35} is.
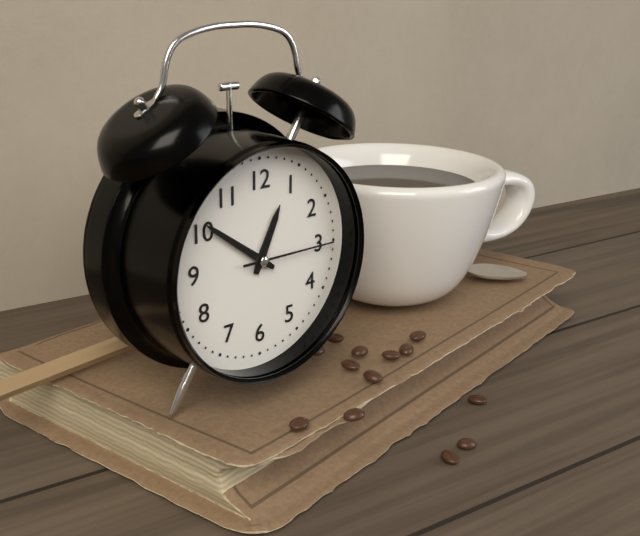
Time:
{"hour": 12, "minute": 51, "second": 15}
